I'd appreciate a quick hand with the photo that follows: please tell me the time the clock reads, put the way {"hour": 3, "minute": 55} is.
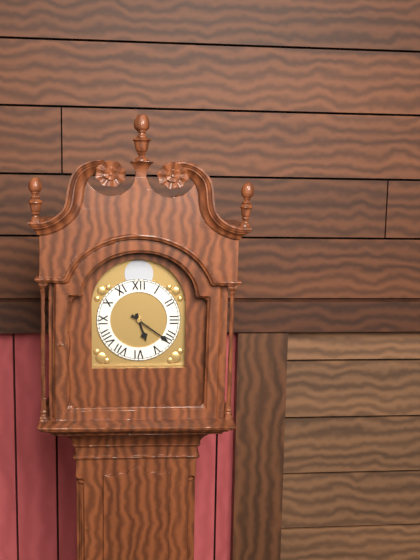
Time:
{"hour": 5, "minute": 21}
